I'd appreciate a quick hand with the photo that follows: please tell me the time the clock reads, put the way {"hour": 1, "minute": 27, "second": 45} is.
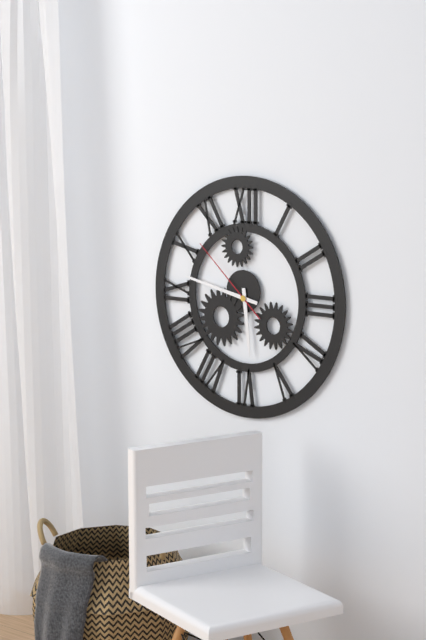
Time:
{"hour": 5, "minute": 47, "second": 52}
